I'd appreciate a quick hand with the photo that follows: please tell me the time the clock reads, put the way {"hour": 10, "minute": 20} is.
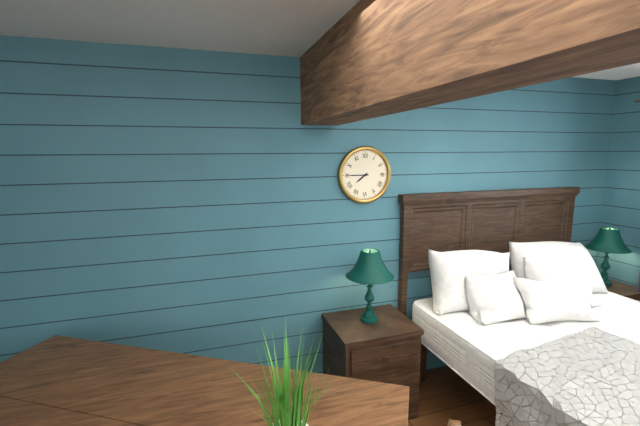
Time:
{"hour": 7, "minute": 45}
